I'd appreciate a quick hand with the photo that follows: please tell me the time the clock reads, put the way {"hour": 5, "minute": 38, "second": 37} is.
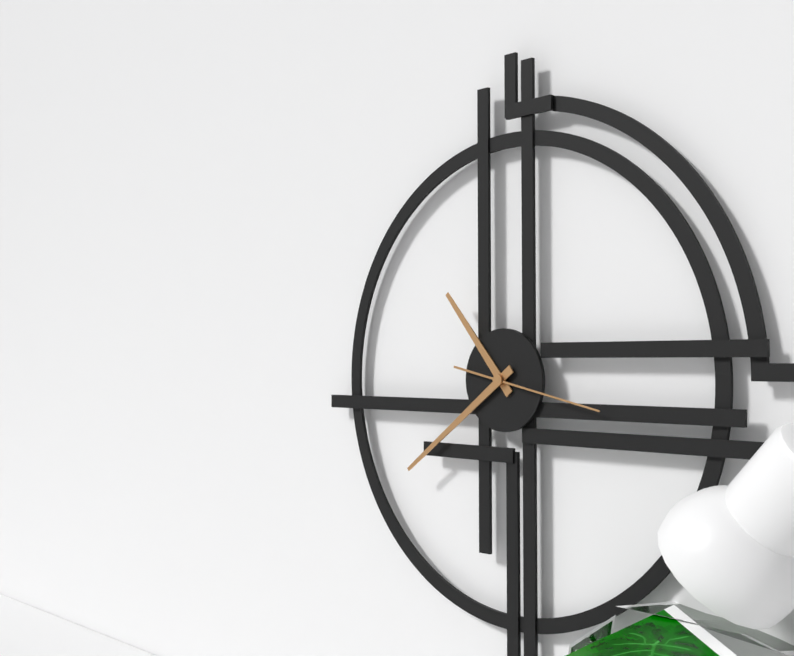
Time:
{"hour": 10, "minute": 39, "second": 17}
